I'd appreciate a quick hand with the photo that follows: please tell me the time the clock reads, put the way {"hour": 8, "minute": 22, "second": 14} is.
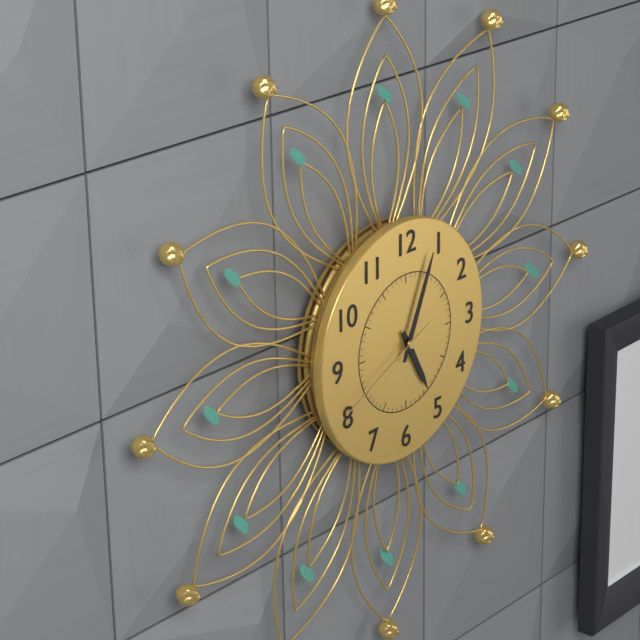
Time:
{"hour": 5, "minute": 4, "second": 41}
